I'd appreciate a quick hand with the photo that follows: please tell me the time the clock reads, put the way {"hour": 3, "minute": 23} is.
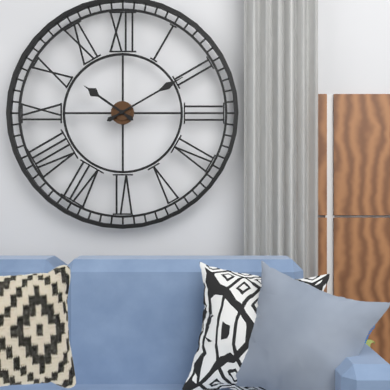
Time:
{"hour": 10, "minute": 10}
